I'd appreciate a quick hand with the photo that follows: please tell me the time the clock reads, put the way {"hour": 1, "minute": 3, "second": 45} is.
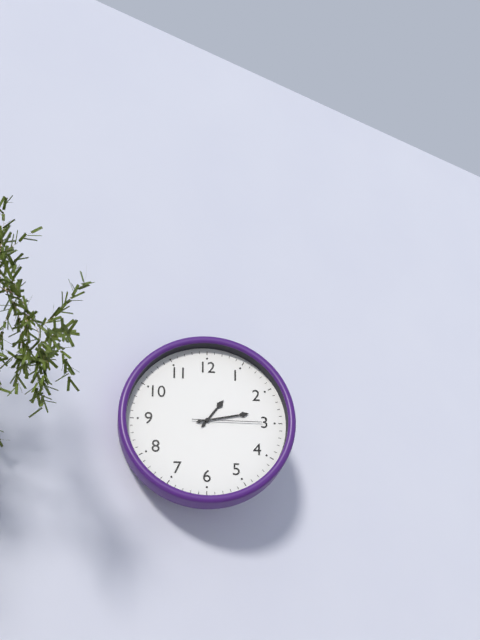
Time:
{"hour": 1, "minute": 13, "second": 15}
